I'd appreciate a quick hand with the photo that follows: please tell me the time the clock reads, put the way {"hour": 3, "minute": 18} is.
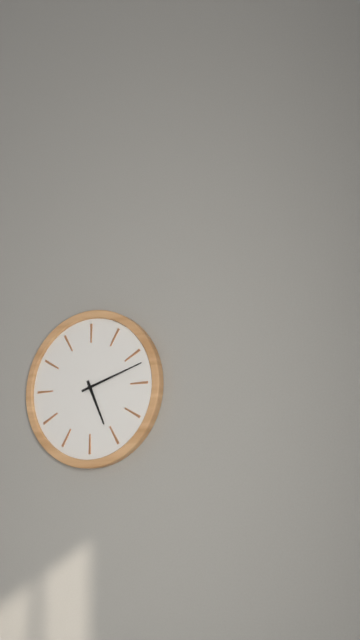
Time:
{"hour": 5, "minute": 12}
